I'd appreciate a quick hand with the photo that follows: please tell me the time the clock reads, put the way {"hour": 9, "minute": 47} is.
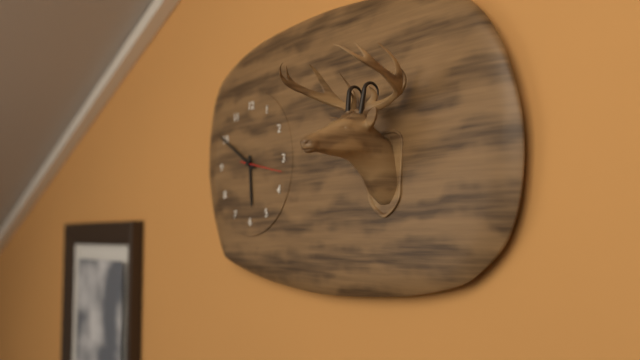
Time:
{"hour": 5, "minute": 50}
